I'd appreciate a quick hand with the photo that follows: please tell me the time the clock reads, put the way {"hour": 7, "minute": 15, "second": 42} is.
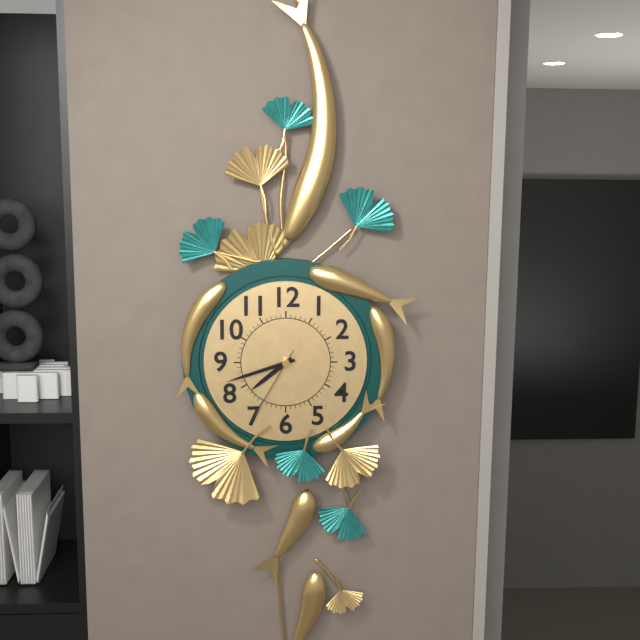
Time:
{"hour": 7, "minute": 42, "second": 35}
